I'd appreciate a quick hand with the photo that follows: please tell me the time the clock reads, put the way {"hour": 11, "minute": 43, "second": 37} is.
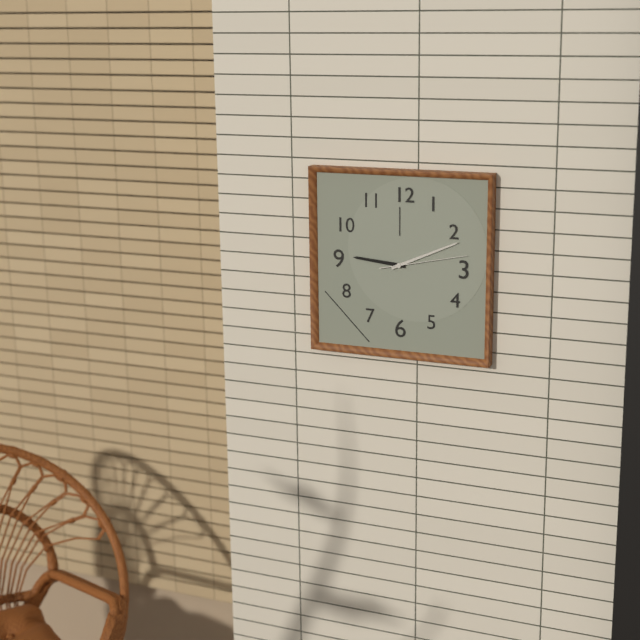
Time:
{"hour": 9, "minute": 11, "second": 13}
